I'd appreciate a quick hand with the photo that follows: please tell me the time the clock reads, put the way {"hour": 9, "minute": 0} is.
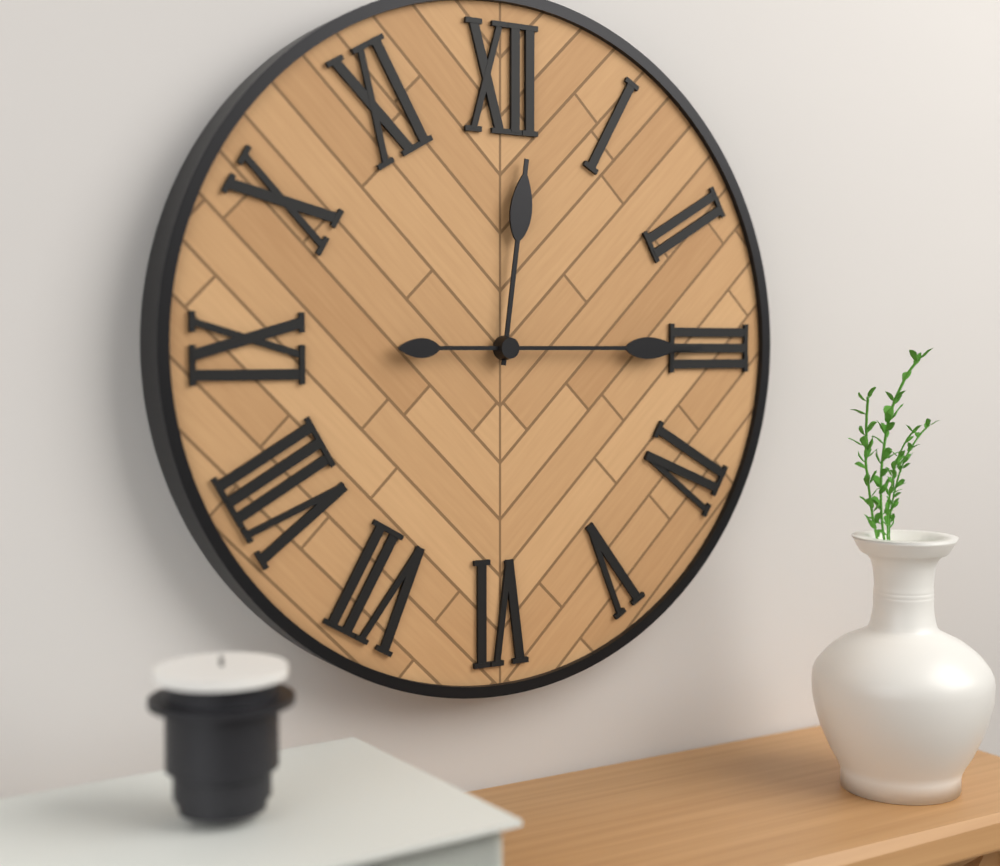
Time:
{"hour": 12, "minute": 15}
